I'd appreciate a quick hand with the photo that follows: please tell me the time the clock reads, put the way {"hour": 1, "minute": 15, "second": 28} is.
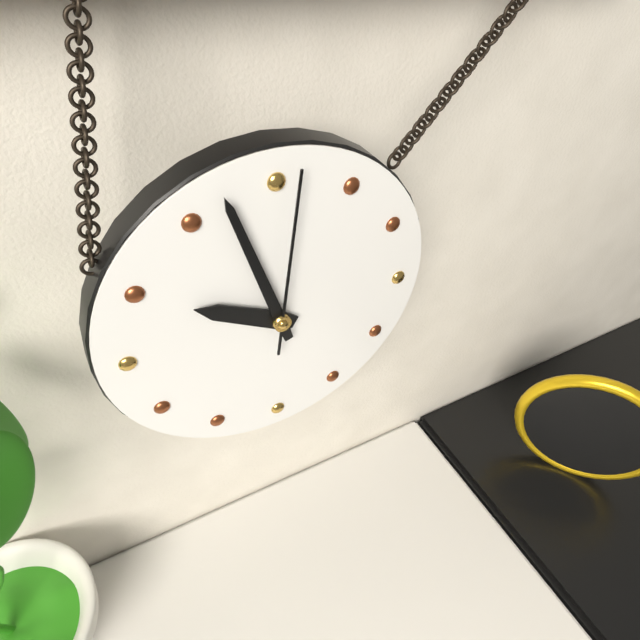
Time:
{"hour": 9, "minute": 57, "second": 1}
